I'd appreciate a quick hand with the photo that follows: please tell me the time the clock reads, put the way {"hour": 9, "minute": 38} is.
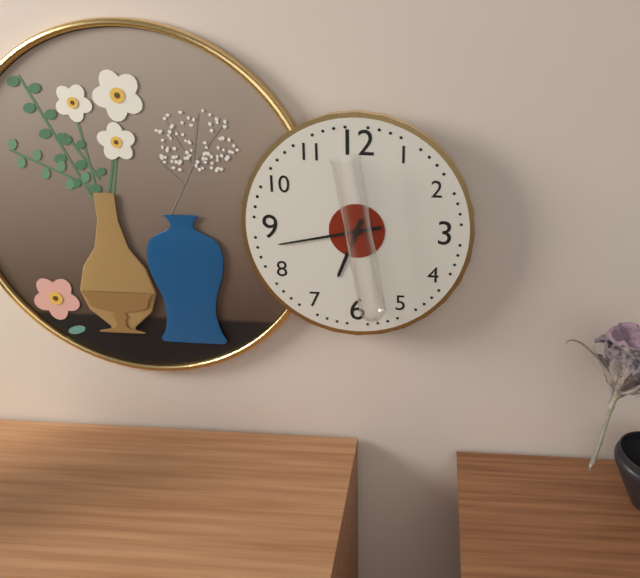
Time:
{"hour": 6, "minute": 43}
